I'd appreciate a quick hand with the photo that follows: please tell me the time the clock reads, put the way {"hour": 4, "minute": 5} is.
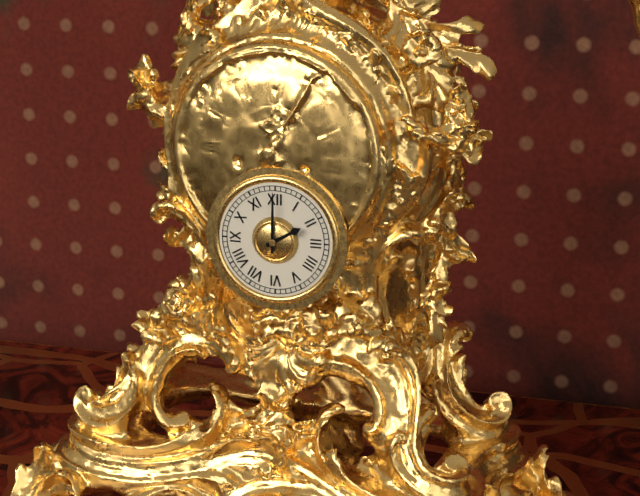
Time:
{"hour": 2, "minute": 0}
